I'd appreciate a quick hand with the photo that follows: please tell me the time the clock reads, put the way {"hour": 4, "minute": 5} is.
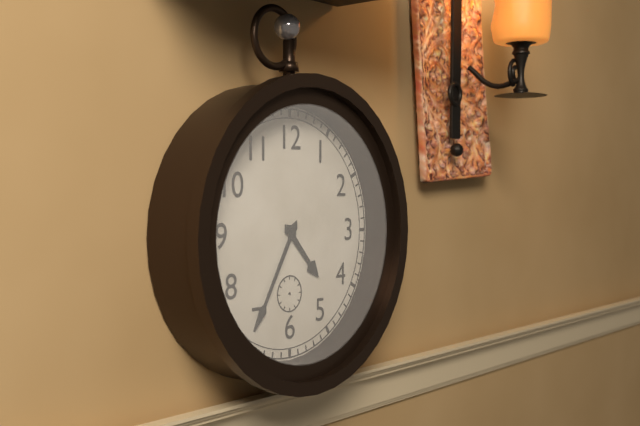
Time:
{"hour": 4, "minute": 35}
